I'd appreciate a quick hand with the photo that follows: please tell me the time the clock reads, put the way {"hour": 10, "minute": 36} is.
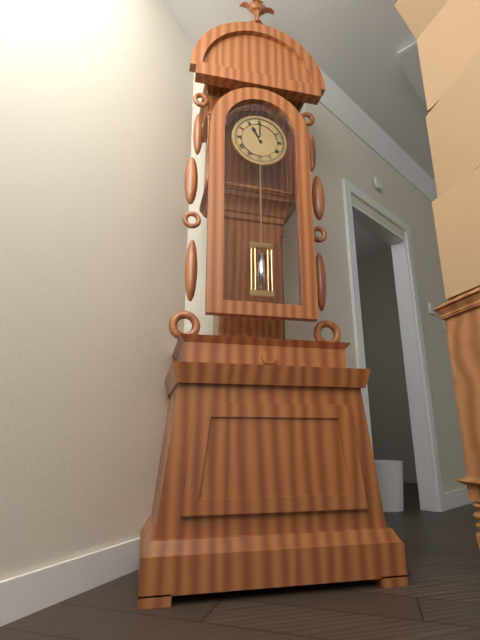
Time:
{"hour": 11, "minute": 0}
